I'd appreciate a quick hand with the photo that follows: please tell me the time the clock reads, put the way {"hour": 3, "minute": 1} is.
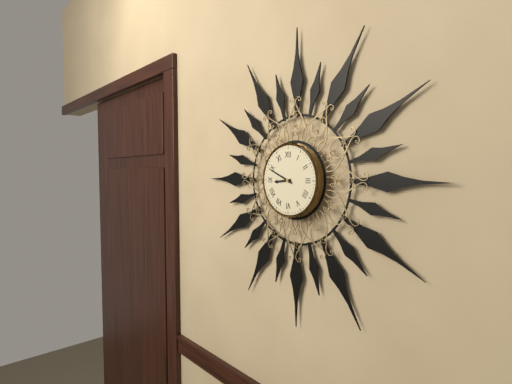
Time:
{"hour": 8, "minute": 49}
